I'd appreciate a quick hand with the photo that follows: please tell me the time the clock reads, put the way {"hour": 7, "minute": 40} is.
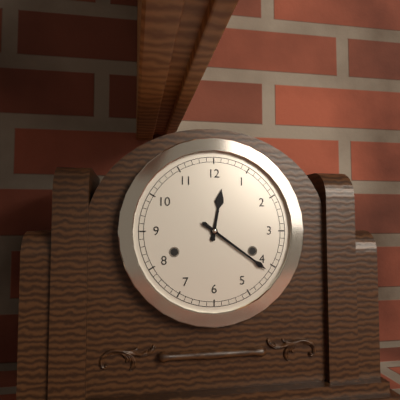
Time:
{"hour": 12, "minute": 21}
